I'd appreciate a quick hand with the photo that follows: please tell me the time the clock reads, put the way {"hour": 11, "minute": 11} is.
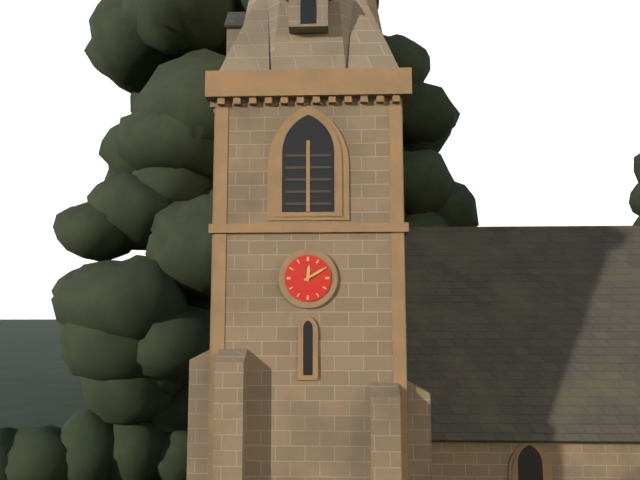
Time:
{"hour": 12, "minute": 10}
